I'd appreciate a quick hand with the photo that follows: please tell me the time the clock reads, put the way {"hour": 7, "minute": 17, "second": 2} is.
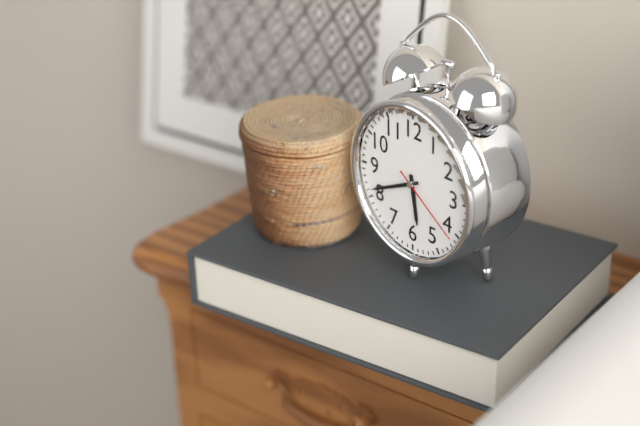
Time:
{"hour": 5, "minute": 41, "second": 21}
